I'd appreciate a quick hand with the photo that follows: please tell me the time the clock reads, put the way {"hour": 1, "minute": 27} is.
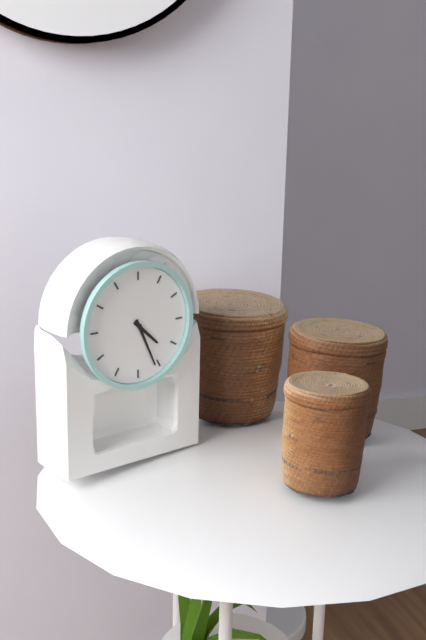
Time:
{"hour": 4, "minute": 26}
